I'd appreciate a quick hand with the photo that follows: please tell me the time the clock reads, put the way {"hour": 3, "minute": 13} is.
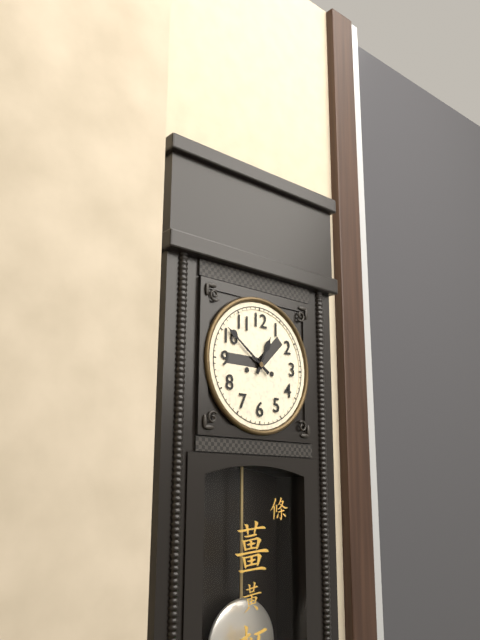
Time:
{"hour": 12, "minute": 51}
